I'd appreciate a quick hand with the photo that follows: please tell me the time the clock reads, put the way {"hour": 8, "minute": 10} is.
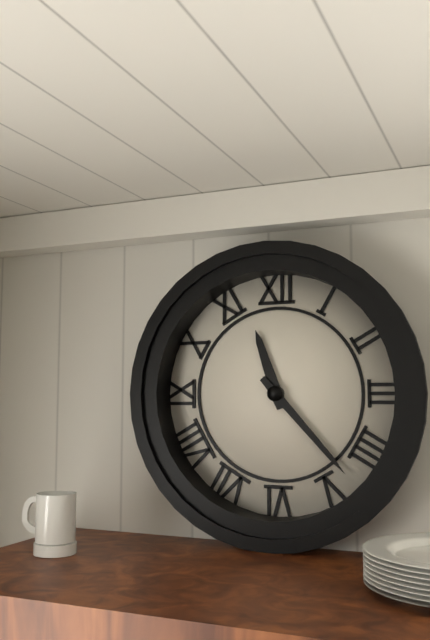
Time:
{"hour": 11, "minute": 23}
